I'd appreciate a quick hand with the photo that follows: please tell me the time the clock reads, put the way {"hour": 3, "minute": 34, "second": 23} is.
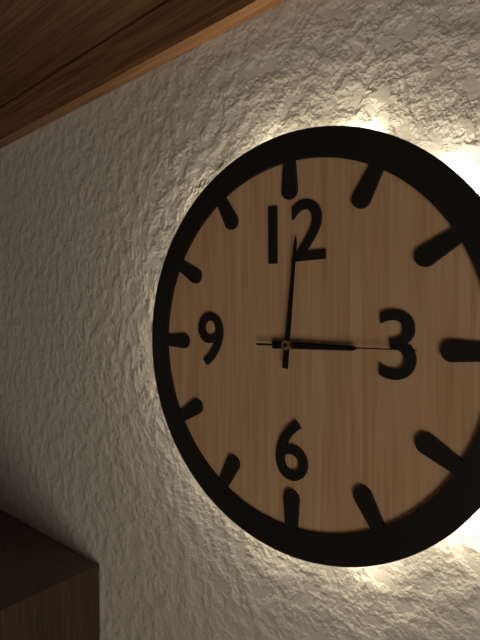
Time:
{"hour": 3, "minute": 1, "second": 15}
